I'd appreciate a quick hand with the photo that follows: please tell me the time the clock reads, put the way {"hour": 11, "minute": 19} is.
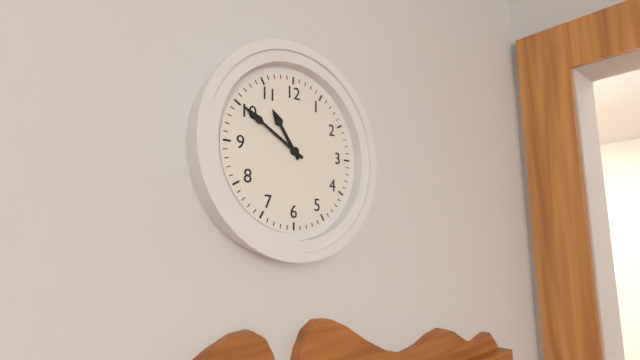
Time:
{"hour": 10, "minute": 50}
